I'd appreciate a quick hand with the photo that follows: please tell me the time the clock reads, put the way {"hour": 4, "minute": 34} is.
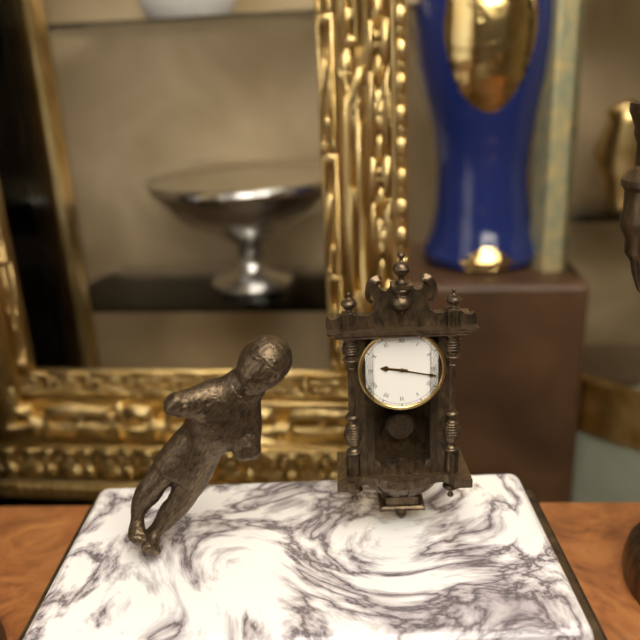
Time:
{"hour": 9, "minute": 17}
